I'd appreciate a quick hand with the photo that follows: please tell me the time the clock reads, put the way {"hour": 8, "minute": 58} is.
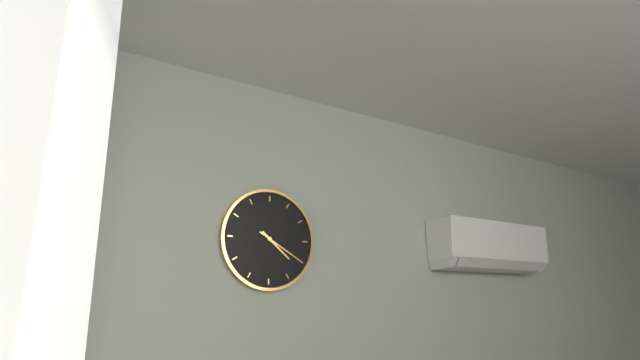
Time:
{"hour": 4, "minute": 20}
